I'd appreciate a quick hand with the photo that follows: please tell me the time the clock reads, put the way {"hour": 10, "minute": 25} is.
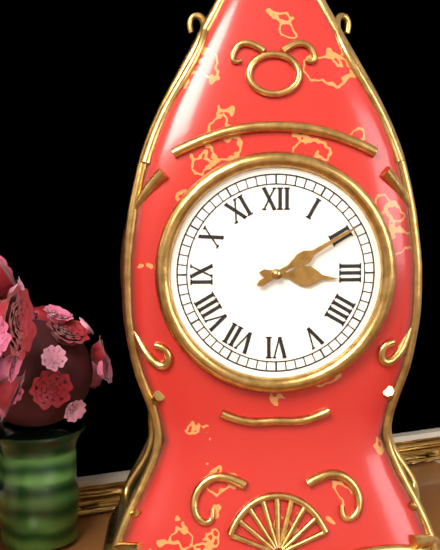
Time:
{"hour": 3, "minute": 10}
